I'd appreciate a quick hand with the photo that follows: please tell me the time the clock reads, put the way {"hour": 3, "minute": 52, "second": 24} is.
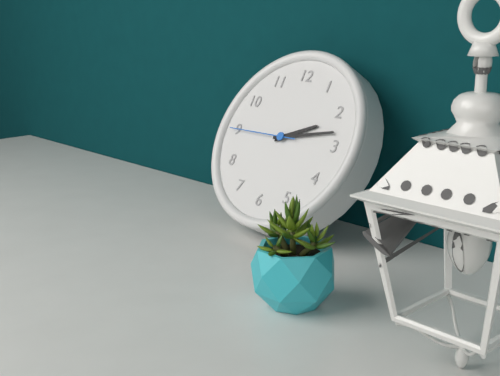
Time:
{"hour": 2, "minute": 13, "second": 45}
